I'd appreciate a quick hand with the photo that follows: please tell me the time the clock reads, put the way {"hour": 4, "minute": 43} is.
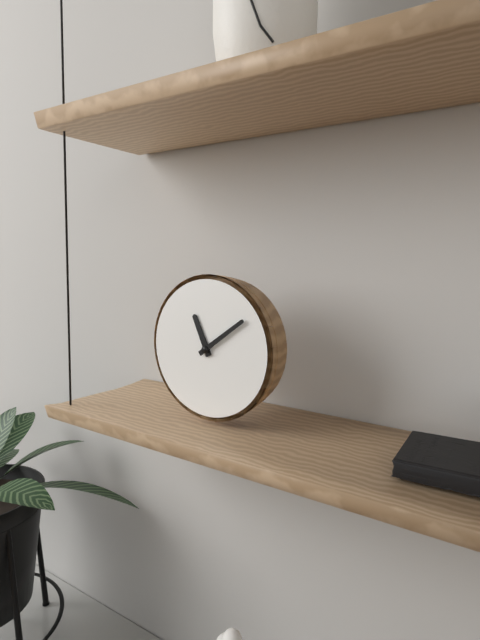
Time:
{"hour": 11, "minute": 9}
